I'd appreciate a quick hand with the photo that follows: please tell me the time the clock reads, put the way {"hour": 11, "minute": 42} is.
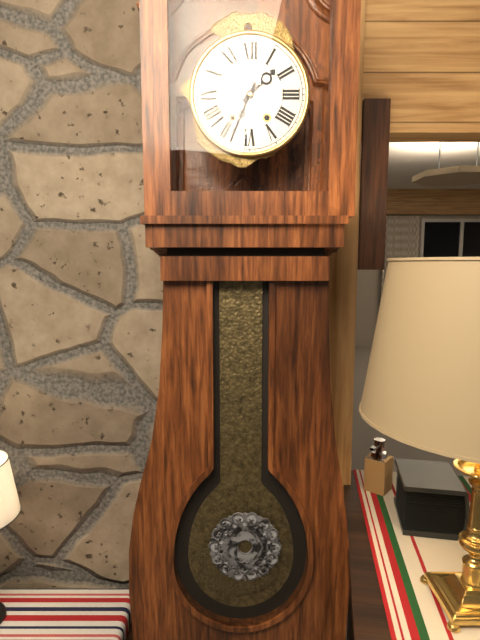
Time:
{"hour": 1, "minute": 34}
